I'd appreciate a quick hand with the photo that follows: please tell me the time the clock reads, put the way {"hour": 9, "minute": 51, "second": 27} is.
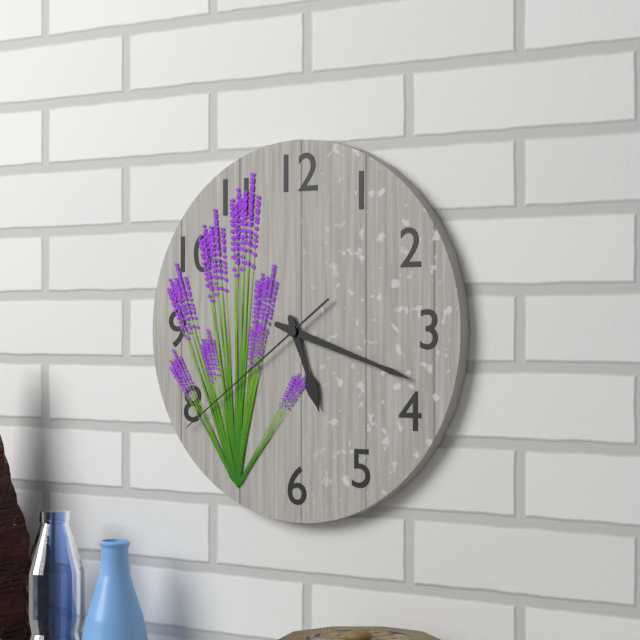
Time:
{"hour": 5, "minute": 18, "second": 39}
